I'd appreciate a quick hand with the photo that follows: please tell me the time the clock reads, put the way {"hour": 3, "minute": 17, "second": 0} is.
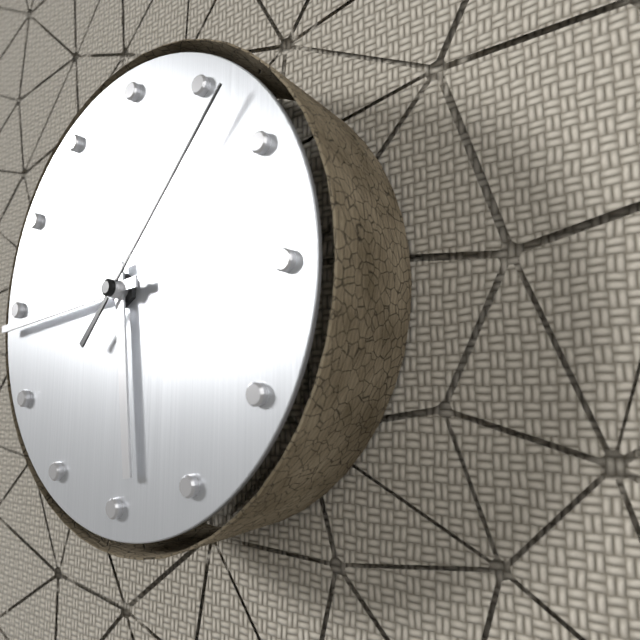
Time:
{"hour": 5, "minute": 44, "second": 7}
